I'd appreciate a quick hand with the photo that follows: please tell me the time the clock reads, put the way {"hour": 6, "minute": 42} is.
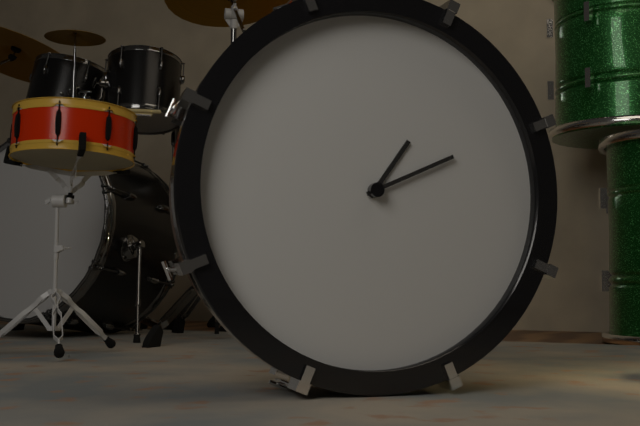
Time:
{"hour": 1, "minute": 11}
